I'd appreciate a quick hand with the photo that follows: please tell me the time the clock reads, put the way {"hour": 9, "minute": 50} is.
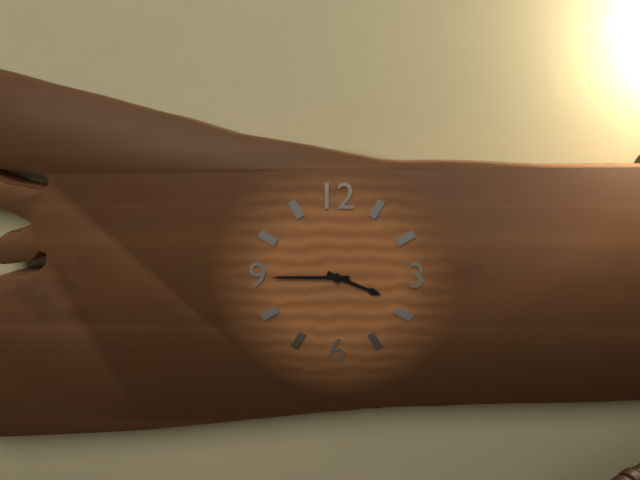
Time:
{"hour": 3, "minute": 45}
